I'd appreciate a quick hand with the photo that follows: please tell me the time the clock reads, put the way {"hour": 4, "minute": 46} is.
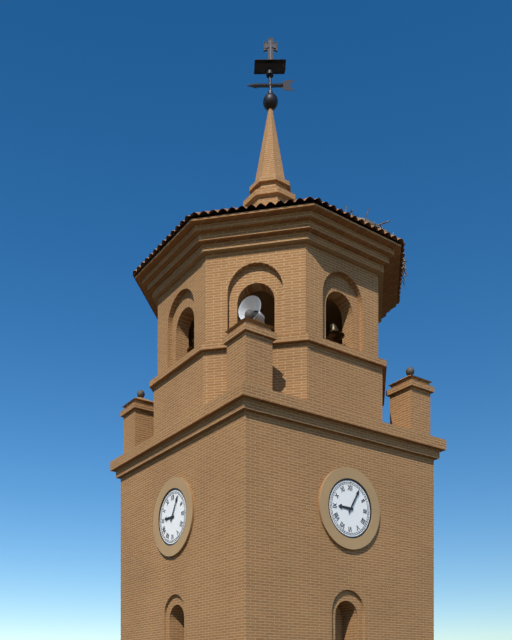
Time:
{"hour": 9, "minute": 5}
